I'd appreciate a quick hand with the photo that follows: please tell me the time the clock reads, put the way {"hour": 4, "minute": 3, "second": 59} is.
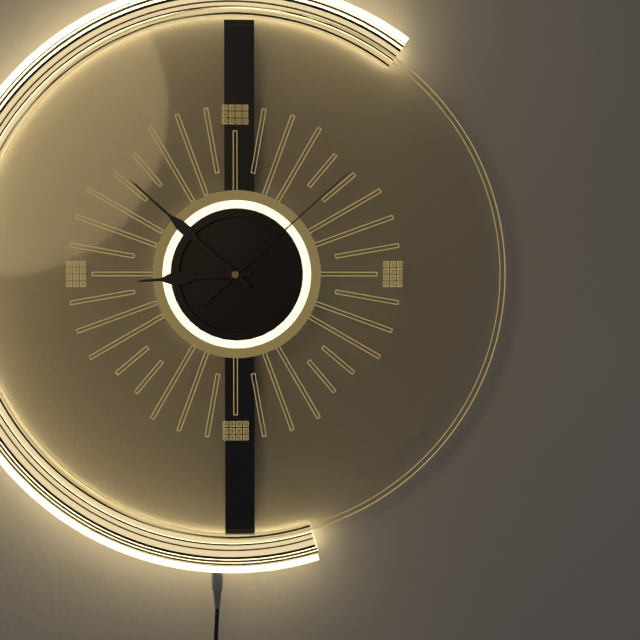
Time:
{"hour": 8, "minute": 52, "second": 8}
